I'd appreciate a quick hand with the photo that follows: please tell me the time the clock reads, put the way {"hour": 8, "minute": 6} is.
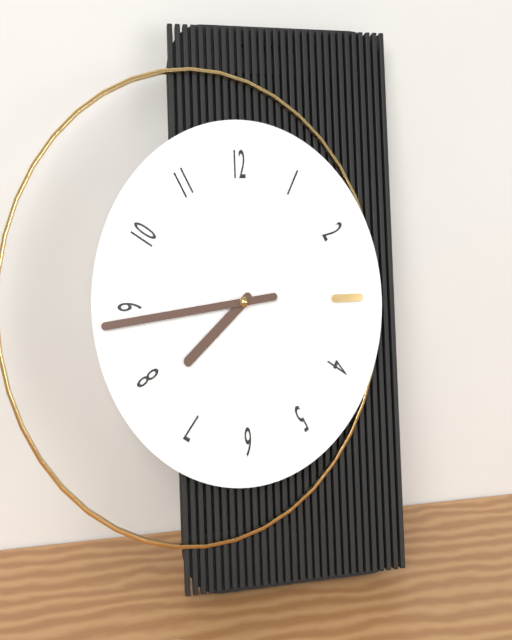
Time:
{"hour": 7, "minute": 44}
